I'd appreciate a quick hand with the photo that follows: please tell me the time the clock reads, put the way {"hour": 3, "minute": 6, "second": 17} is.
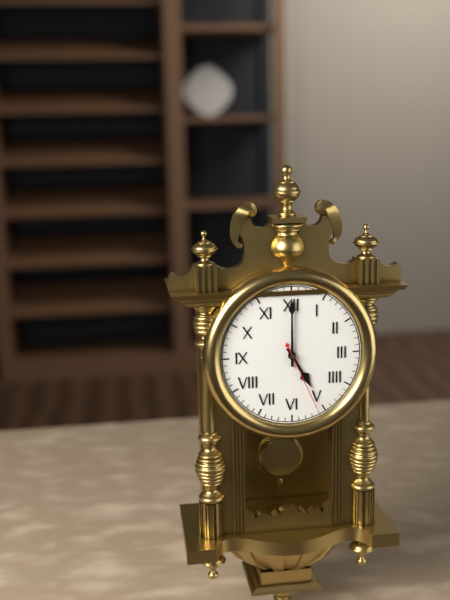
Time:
{"hour": 5, "minute": 0, "second": 26}
